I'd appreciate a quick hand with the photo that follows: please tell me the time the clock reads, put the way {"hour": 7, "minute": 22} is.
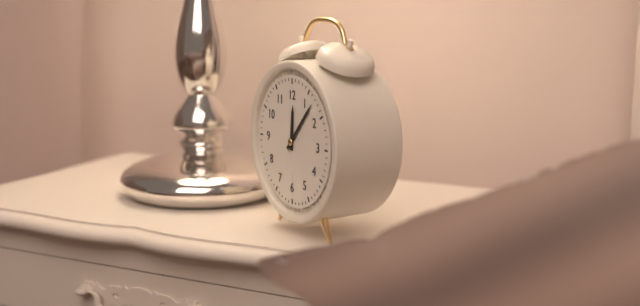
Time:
{"hour": 12, "minute": 7}
